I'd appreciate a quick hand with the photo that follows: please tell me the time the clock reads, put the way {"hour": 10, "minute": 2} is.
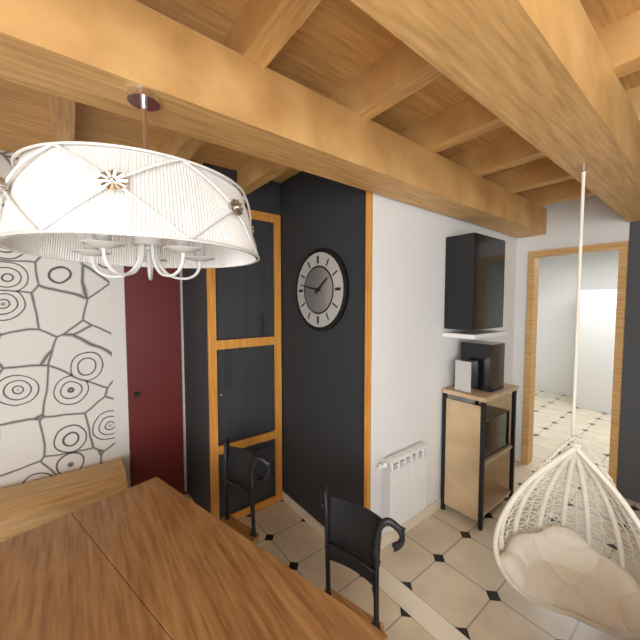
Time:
{"hour": 1, "minute": 47}
